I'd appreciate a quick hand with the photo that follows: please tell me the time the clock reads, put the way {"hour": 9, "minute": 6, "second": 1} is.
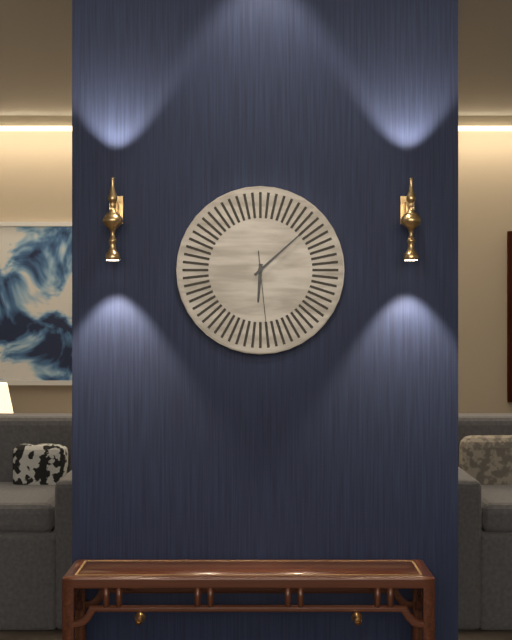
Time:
{"hour": 6, "minute": 8, "second": 29}
